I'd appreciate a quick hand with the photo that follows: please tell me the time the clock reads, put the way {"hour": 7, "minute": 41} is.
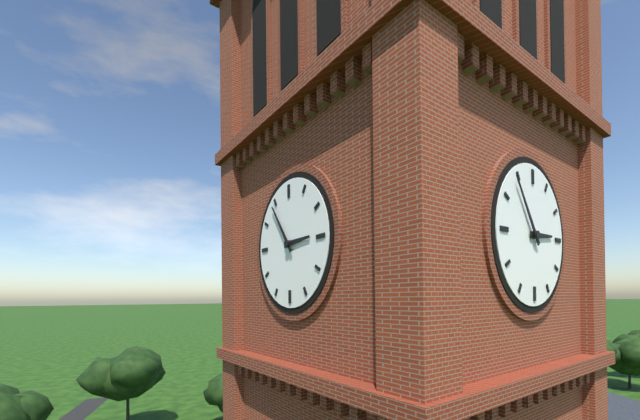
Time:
{"hour": 2, "minute": 54}
